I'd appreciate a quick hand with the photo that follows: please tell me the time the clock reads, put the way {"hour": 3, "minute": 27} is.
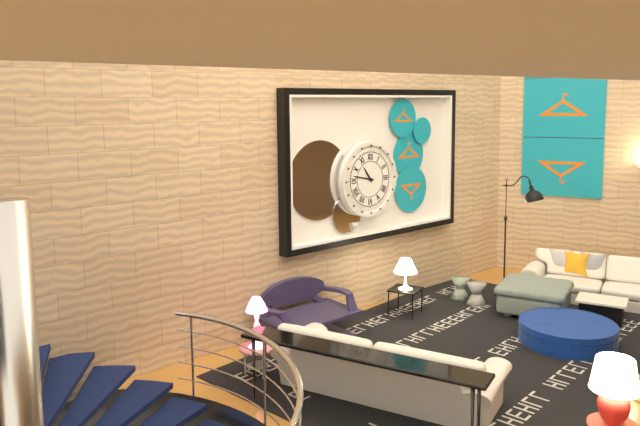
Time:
{"hour": 10, "minute": 47}
